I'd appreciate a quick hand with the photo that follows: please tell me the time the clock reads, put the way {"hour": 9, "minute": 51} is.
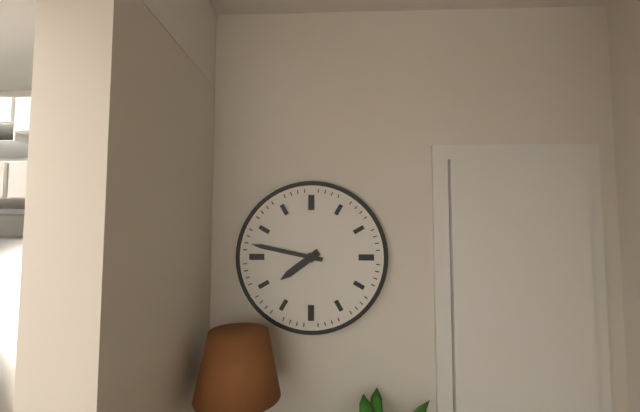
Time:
{"hour": 7, "minute": 47}
